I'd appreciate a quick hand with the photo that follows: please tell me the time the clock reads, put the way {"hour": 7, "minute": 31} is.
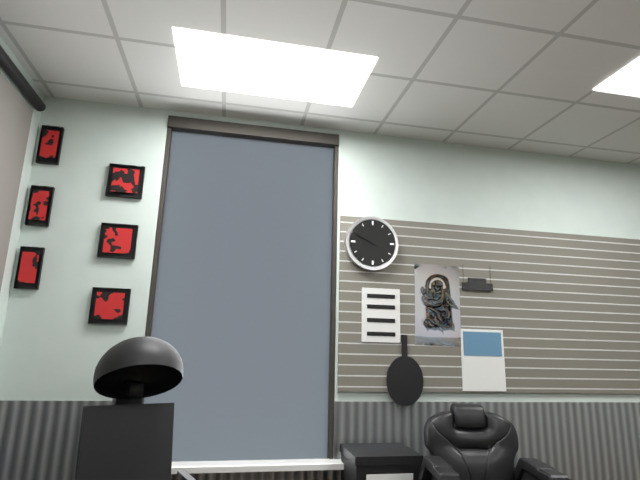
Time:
{"hour": 8, "minute": 49}
